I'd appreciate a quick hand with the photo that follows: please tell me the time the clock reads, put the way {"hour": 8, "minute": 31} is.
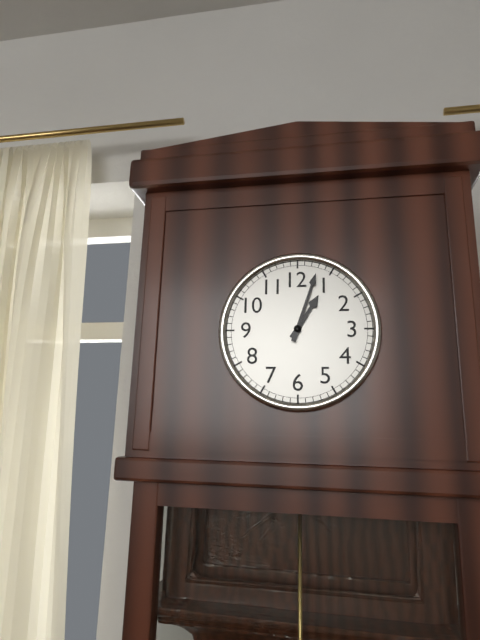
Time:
{"hour": 1, "minute": 3}
